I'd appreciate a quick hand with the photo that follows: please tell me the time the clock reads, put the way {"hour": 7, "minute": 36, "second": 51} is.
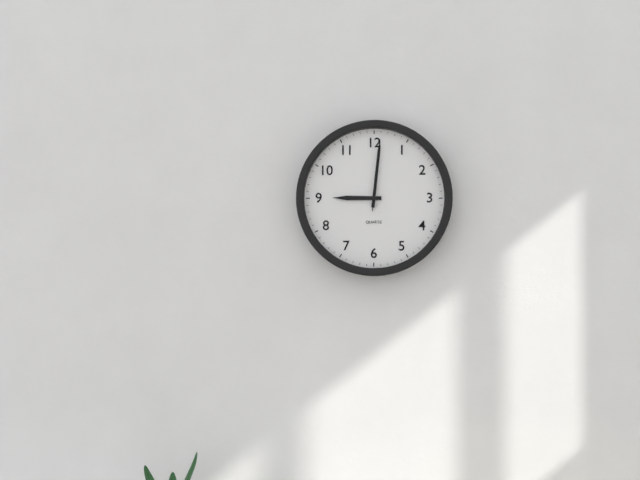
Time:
{"hour": 9, "minute": 1, "second": 1}
